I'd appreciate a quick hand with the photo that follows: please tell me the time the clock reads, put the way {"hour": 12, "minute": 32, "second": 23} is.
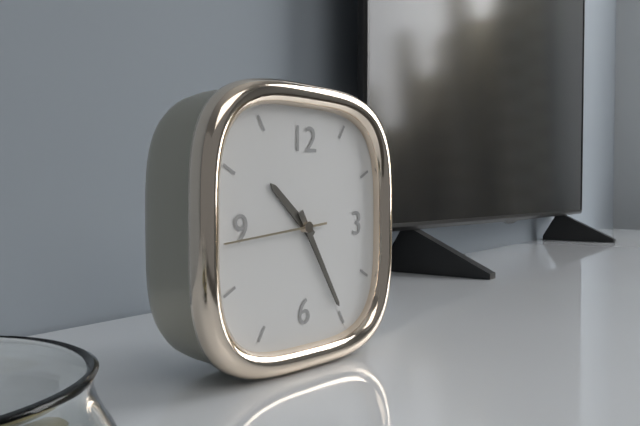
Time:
{"hour": 10, "minute": 25, "second": 44}
